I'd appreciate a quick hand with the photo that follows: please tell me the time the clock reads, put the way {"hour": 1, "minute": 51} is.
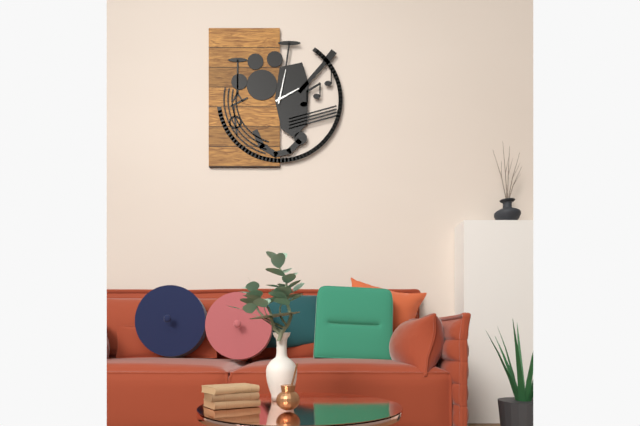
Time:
{"hour": 2, "minute": 2}
